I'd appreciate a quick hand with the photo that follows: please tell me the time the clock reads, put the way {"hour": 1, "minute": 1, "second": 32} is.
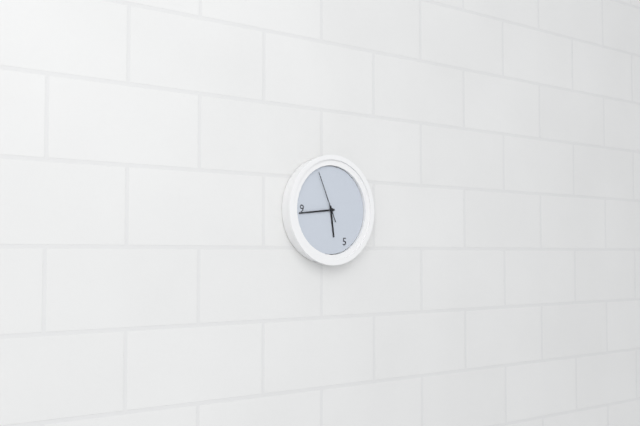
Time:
{"hour": 5, "minute": 44, "second": 56}
